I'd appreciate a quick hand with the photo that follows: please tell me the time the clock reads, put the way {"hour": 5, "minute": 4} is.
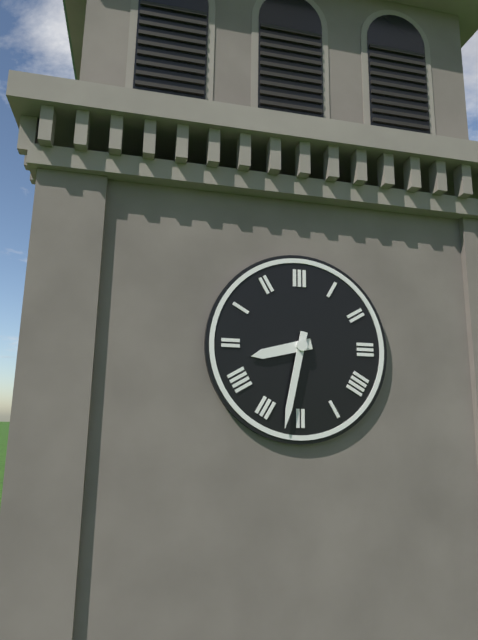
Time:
{"hour": 8, "minute": 32}
